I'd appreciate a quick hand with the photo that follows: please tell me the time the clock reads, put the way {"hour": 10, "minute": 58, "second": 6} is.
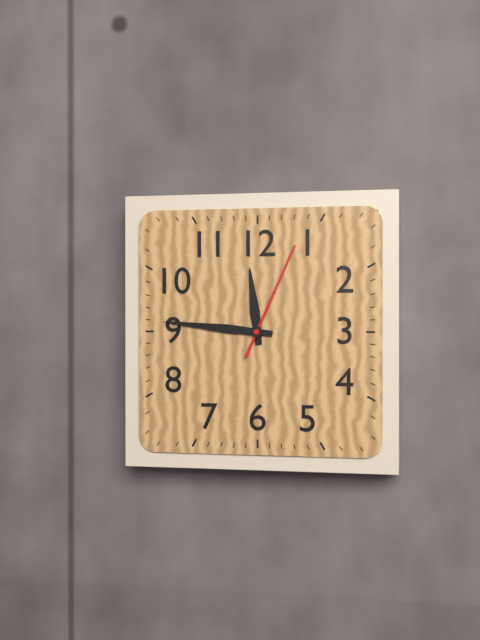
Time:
{"hour": 11, "minute": 46, "second": 4}
